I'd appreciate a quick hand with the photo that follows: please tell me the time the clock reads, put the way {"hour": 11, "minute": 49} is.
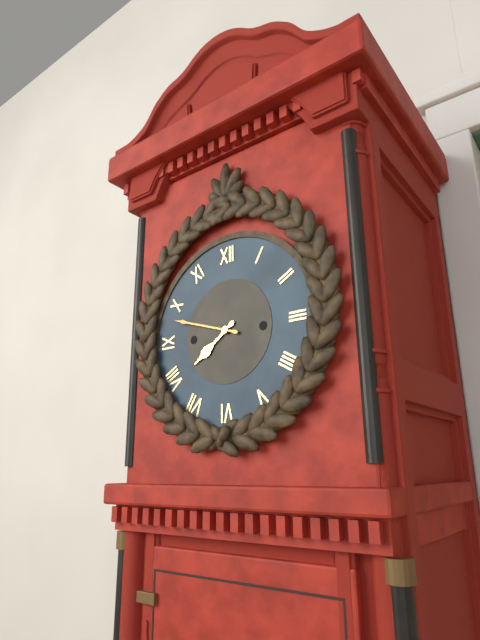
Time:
{"hour": 7, "minute": 48}
